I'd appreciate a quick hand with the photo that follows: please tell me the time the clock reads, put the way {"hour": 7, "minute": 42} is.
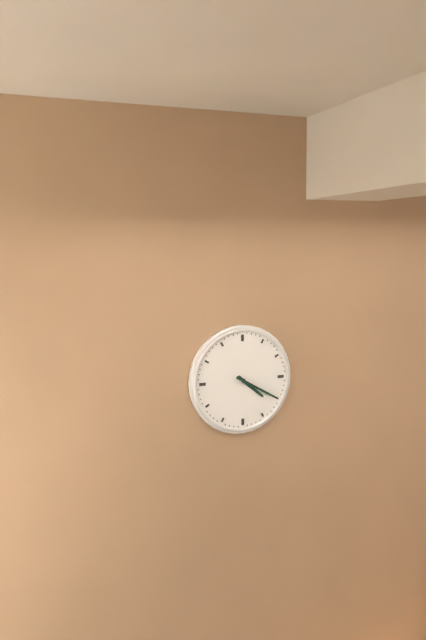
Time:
{"hour": 4, "minute": 20}
